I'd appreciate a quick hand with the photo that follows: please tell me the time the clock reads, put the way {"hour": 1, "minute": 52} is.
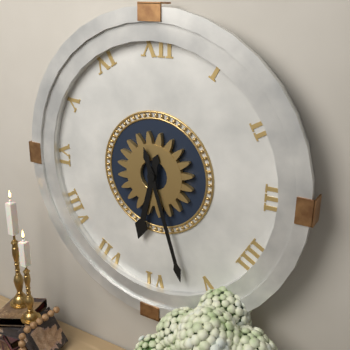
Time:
{"hour": 6, "minute": 27}
